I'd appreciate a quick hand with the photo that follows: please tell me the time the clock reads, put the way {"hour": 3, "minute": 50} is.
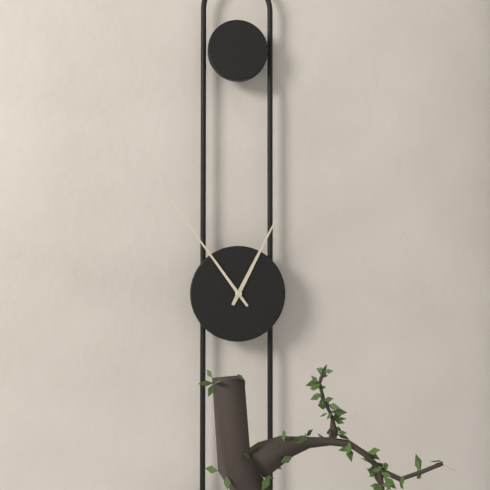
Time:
{"hour": 12, "minute": 54}
